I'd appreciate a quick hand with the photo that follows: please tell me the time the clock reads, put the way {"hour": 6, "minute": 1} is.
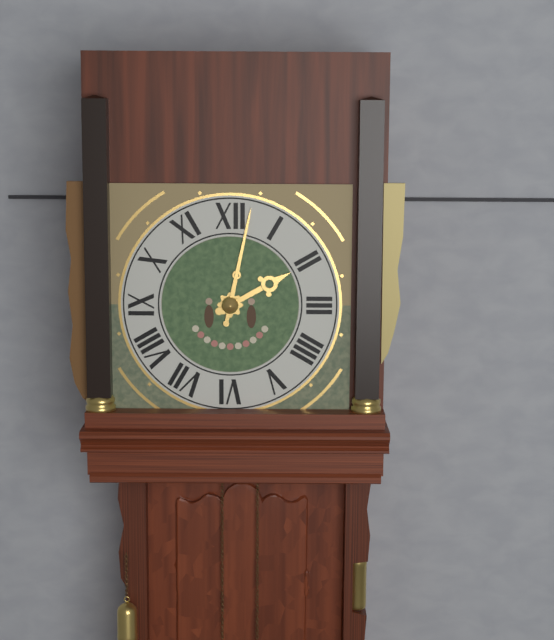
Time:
{"hour": 2, "minute": 2}
